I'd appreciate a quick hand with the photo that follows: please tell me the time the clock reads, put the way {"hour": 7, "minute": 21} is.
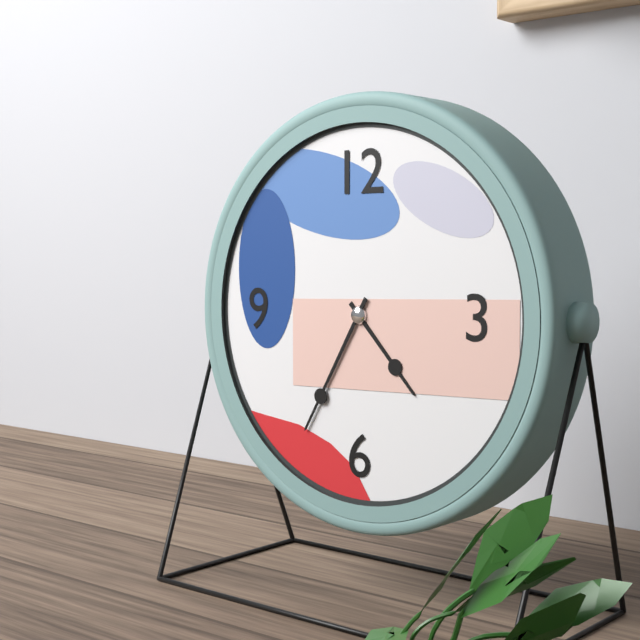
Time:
{"hour": 4, "minute": 35}
